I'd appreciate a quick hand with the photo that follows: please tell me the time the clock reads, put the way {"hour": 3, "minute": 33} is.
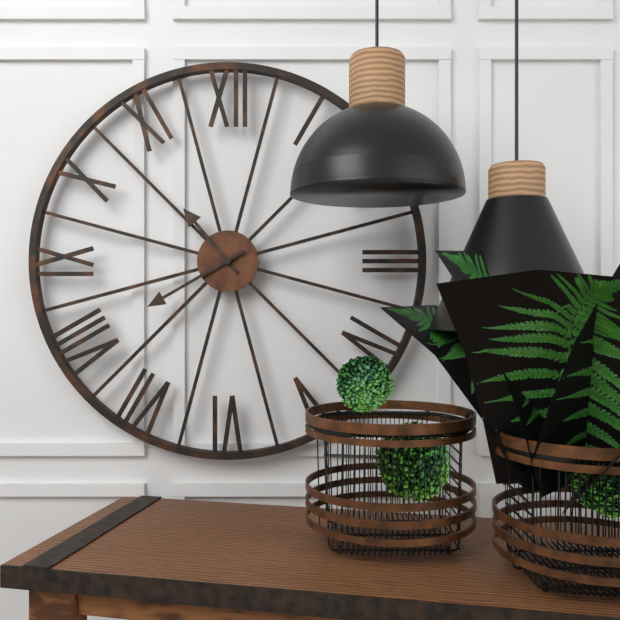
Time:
{"hour": 10, "minute": 40}
